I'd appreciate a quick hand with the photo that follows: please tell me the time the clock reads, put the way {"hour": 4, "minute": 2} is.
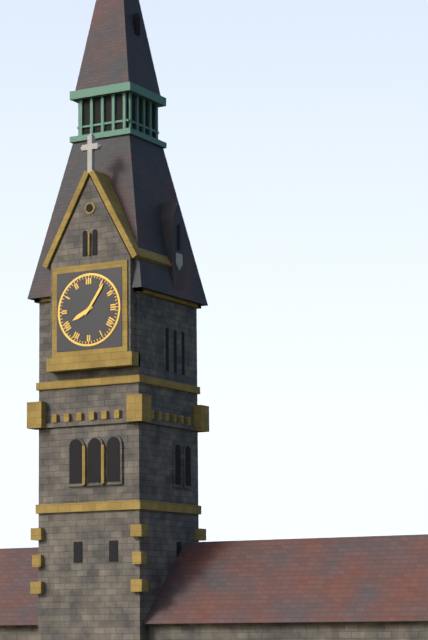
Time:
{"hour": 8, "minute": 6}
